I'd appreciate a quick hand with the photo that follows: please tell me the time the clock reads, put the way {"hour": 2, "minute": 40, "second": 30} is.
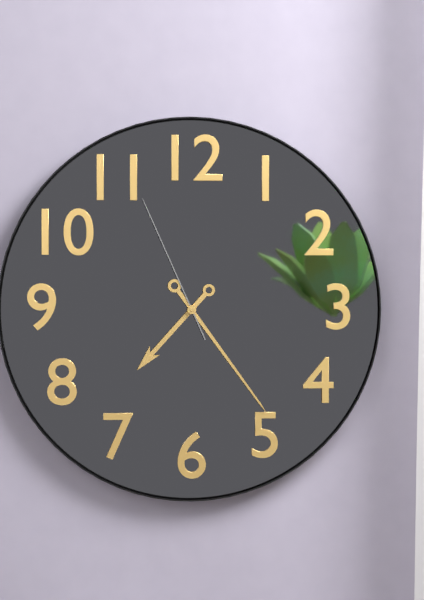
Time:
{"hour": 7, "minute": 24, "second": 56}
